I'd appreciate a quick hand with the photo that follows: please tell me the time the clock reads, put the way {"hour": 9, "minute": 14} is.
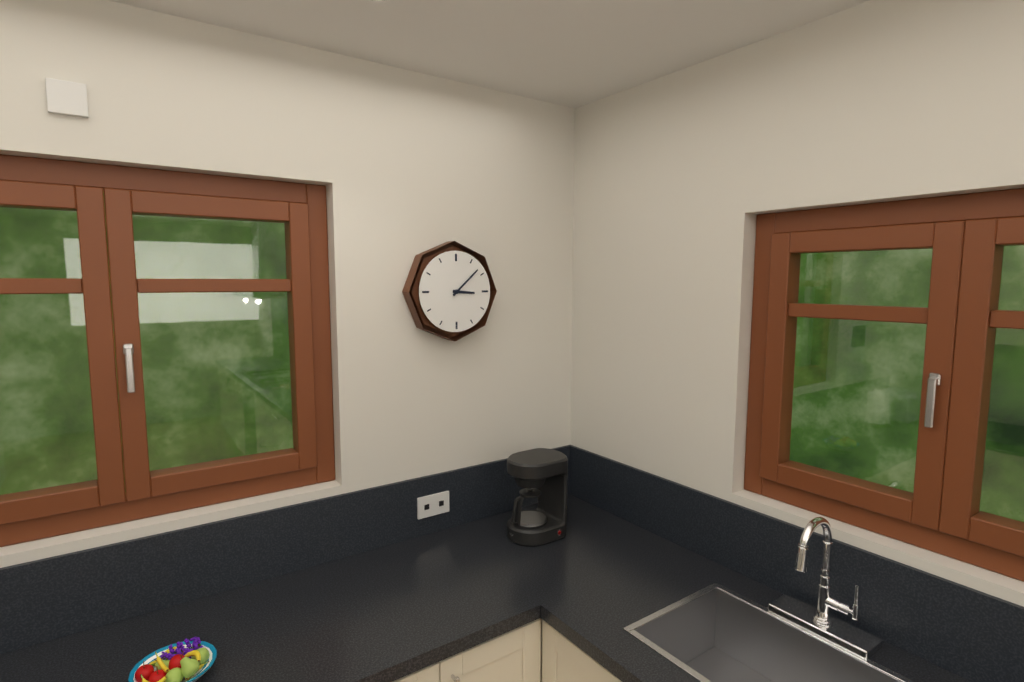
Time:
{"hour": 3, "minute": 8}
